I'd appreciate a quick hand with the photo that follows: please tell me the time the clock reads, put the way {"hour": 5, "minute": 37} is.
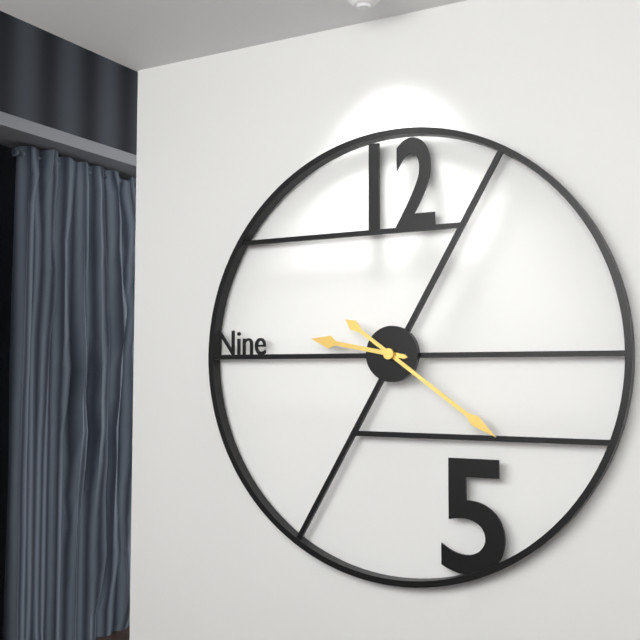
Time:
{"hour": 9, "minute": 21}
